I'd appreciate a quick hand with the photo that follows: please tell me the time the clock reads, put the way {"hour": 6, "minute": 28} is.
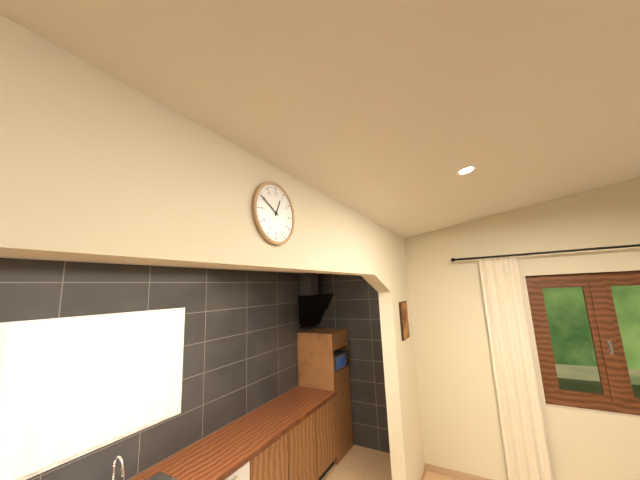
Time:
{"hour": 12, "minute": 50}
